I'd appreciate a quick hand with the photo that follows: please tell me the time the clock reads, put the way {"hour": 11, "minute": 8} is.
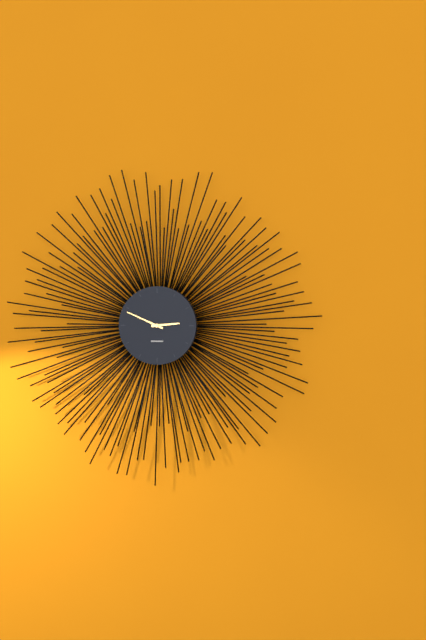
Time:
{"hour": 2, "minute": 49}
